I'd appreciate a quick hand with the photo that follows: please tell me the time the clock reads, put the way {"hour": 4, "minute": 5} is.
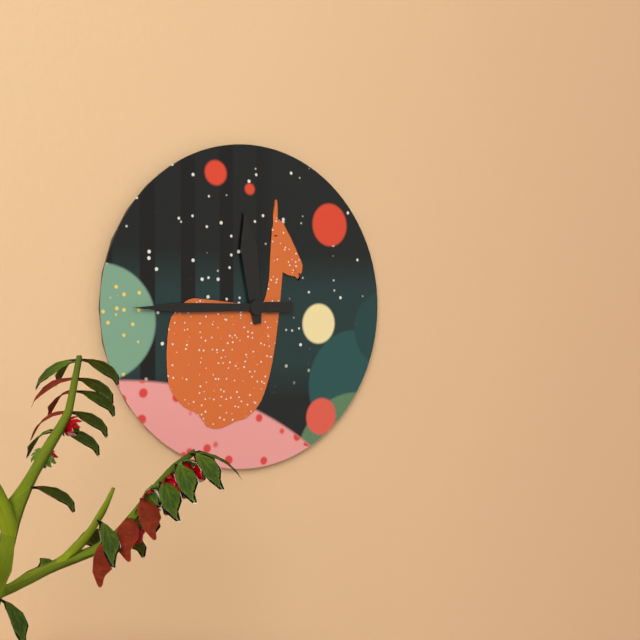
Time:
{"hour": 11, "minute": 45}
